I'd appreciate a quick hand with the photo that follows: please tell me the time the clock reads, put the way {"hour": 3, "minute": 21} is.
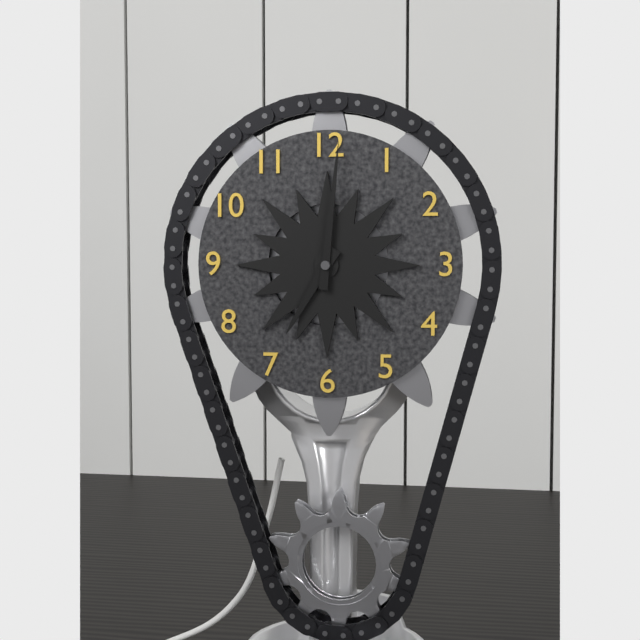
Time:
{"hour": 7, "minute": 1}
